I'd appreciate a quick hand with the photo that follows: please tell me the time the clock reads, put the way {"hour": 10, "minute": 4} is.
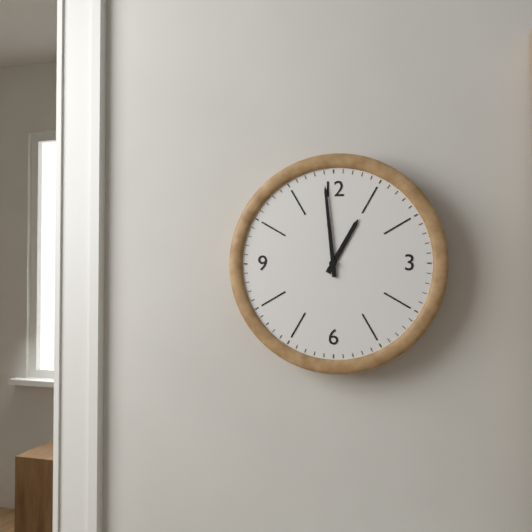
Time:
{"hour": 12, "minute": 59}
